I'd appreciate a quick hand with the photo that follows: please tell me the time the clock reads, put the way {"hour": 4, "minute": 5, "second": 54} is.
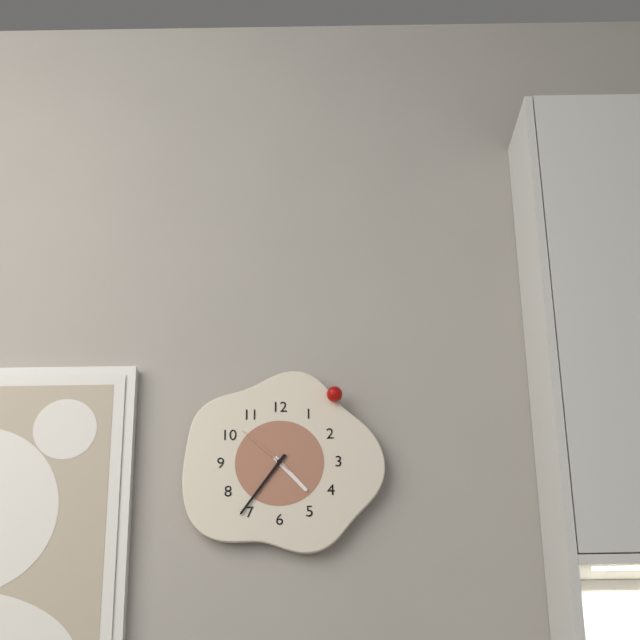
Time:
{"hour": 4, "minute": 36, "second": 52}
